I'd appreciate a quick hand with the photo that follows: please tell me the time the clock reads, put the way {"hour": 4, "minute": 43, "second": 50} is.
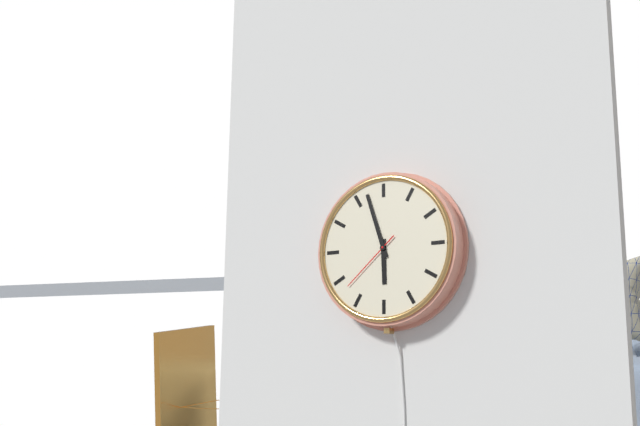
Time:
{"hour": 5, "minute": 57, "second": 38}
